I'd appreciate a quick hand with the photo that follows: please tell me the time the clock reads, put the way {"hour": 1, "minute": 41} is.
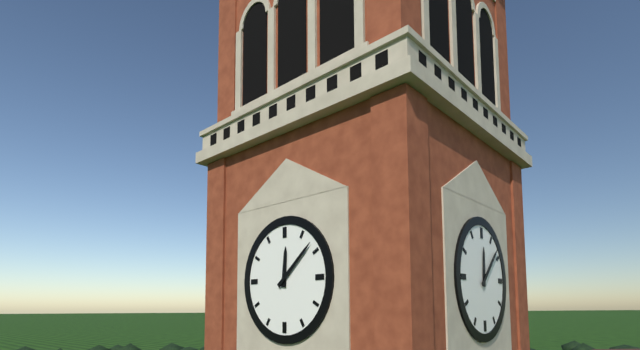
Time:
{"hour": 12, "minute": 8}
